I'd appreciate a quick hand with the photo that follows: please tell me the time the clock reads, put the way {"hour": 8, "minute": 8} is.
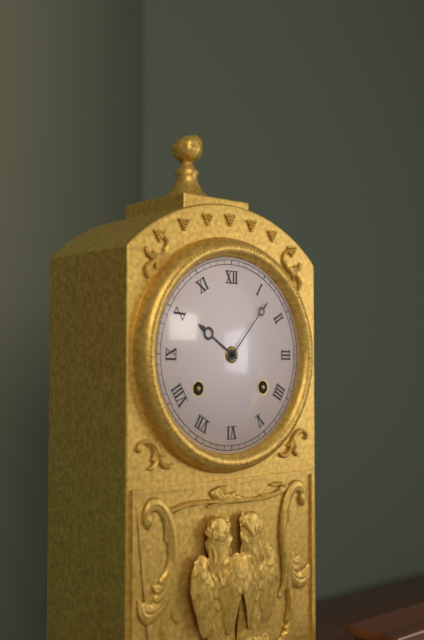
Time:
{"hour": 10, "minute": 7}
